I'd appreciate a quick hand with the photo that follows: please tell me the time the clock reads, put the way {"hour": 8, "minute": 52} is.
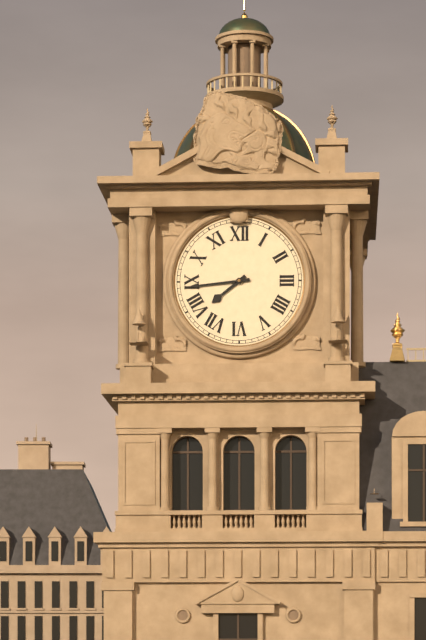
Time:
{"hour": 7, "minute": 44}
